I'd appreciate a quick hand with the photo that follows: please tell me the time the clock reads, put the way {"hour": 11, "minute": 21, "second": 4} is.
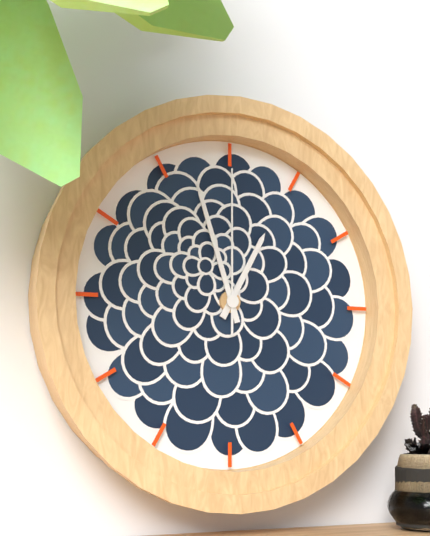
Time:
{"hour": 12, "minute": 57, "second": 0}
